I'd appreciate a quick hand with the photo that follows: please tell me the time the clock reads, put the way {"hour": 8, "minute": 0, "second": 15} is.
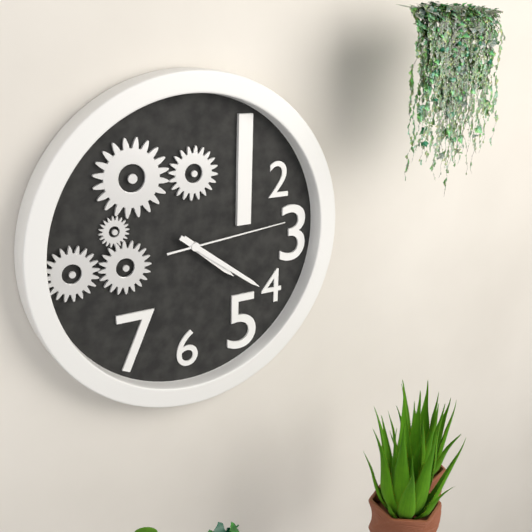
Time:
{"hour": 4, "minute": 21, "second": 14}
